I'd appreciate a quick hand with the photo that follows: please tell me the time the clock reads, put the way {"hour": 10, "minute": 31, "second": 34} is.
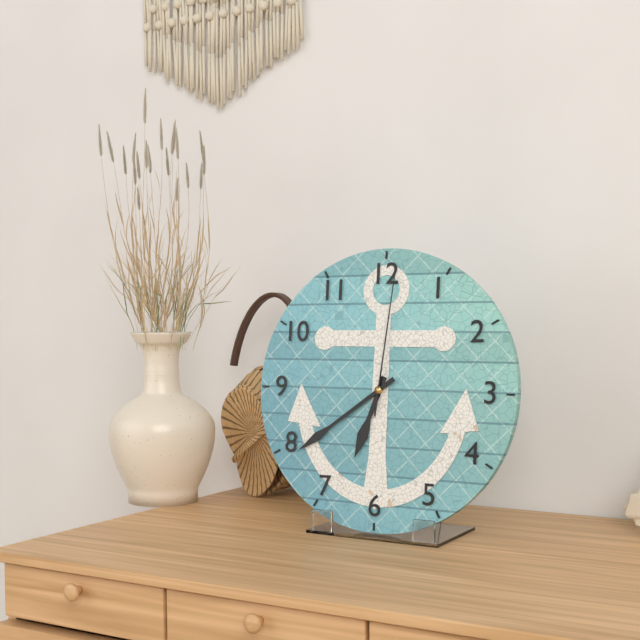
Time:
{"hour": 6, "minute": 39, "second": 1}
